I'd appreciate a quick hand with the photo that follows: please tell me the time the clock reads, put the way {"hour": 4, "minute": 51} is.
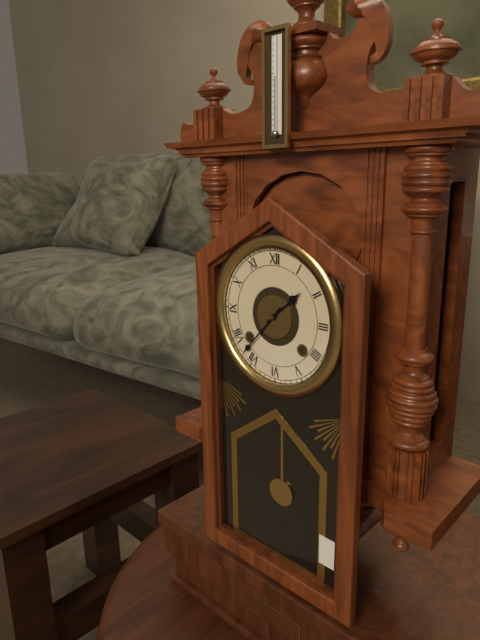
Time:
{"hour": 1, "minute": 37}
